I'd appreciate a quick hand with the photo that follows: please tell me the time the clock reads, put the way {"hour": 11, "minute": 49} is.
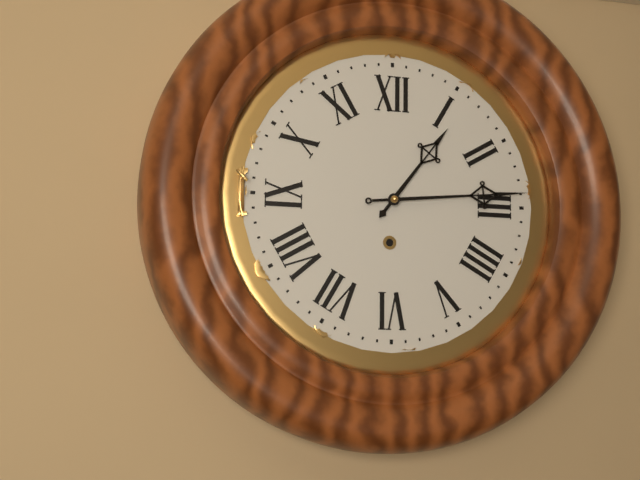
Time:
{"hour": 1, "minute": 14}
